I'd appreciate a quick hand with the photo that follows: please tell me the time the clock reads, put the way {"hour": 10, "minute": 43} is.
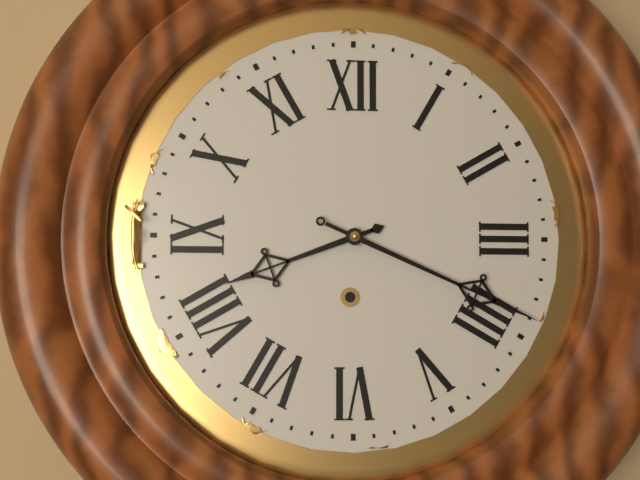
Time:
{"hour": 8, "minute": 19}
